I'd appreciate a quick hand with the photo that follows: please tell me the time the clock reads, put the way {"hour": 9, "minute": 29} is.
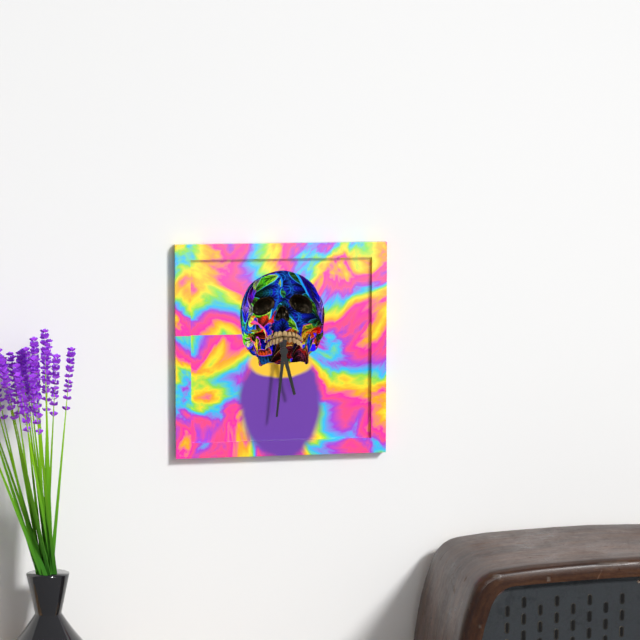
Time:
{"hour": 5, "minute": 31}
